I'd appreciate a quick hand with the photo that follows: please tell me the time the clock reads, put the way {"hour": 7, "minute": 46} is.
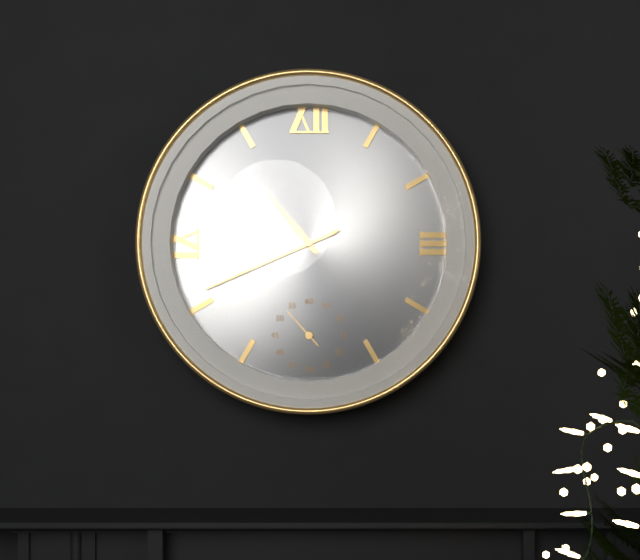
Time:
{"hour": 10, "minute": 41}
